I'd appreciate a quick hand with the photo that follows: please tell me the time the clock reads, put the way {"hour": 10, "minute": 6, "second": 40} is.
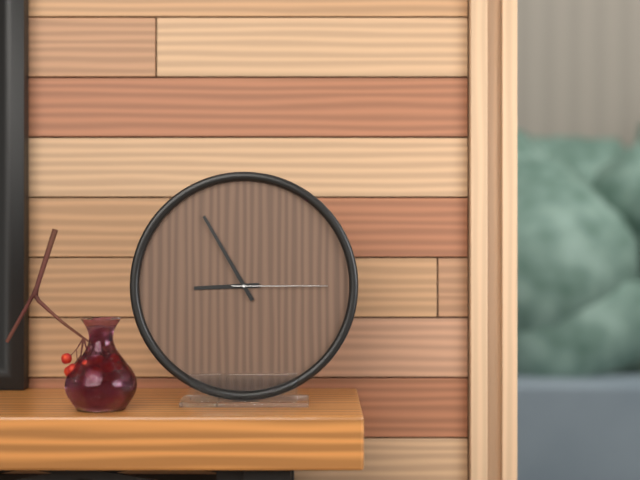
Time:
{"hour": 8, "minute": 55, "second": 15}
